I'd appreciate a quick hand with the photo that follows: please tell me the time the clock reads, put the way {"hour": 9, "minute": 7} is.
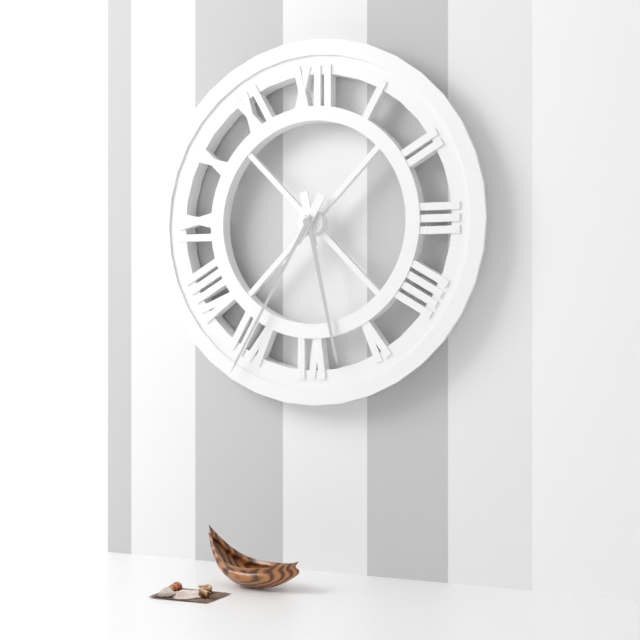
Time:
{"hour": 5, "minute": 35}
